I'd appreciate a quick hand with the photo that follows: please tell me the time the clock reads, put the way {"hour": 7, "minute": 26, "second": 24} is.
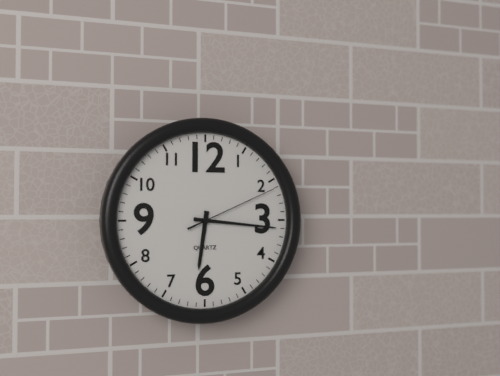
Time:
{"hour": 6, "minute": 16, "second": 11}
